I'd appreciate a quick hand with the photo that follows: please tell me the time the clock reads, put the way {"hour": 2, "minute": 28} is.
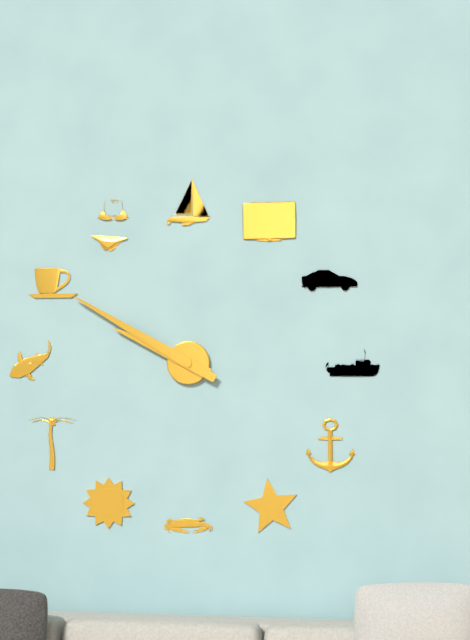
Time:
{"hour": 9, "minute": 50}
